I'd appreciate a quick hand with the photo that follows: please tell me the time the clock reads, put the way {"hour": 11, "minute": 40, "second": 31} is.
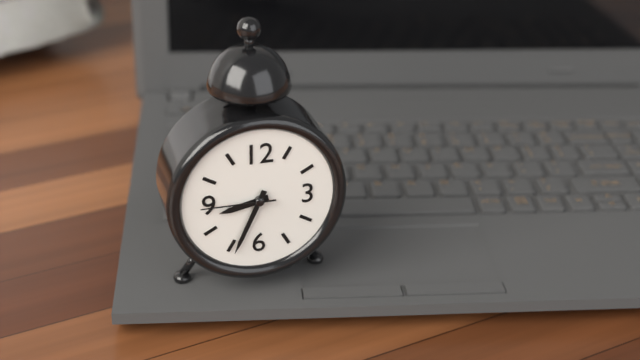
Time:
{"hour": 8, "minute": 34, "second": 45}
